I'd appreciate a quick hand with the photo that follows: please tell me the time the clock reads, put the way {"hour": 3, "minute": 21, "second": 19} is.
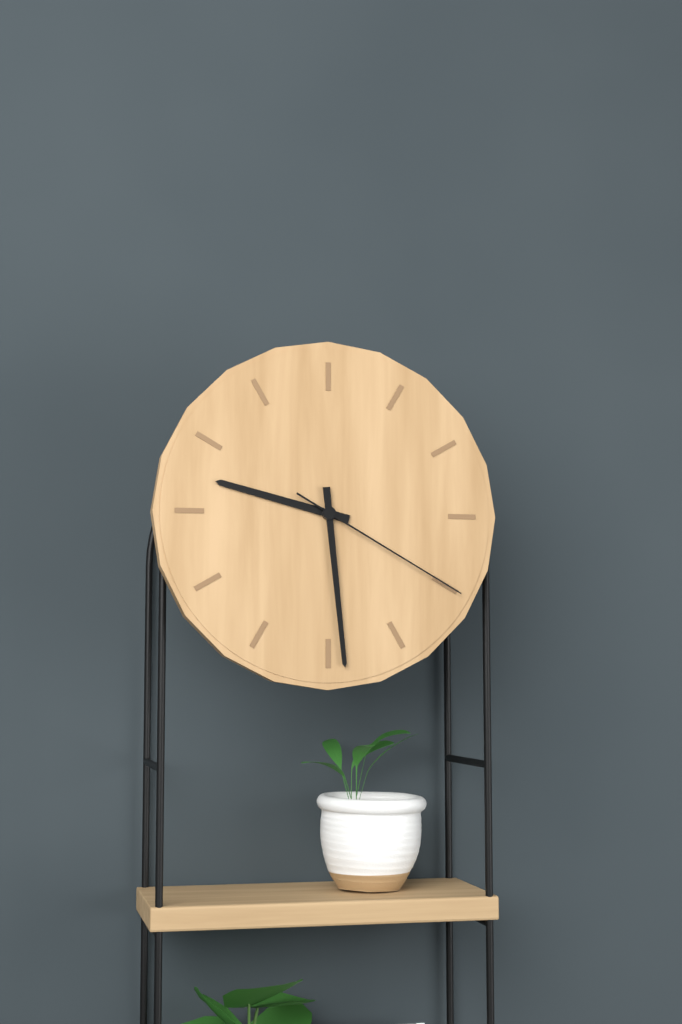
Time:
{"hour": 9, "minute": 29, "second": 20}
